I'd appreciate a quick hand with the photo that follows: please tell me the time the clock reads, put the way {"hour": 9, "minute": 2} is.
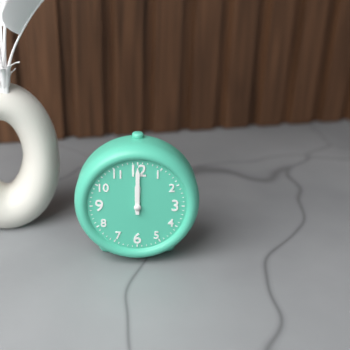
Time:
{"hour": 12, "minute": 0}
